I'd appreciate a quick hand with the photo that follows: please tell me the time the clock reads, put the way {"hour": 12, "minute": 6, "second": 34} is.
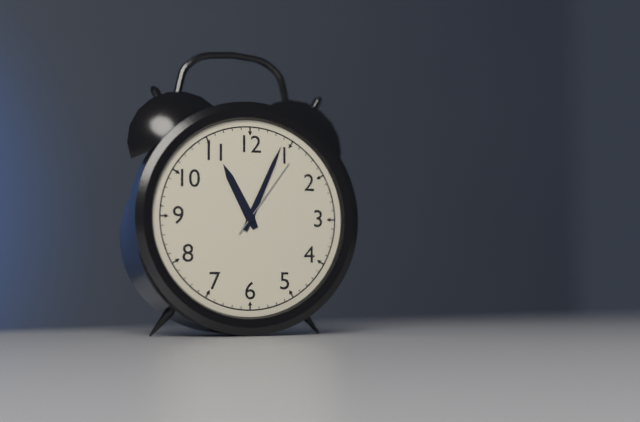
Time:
{"hour": 11, "minute": 4, "second": 6}
